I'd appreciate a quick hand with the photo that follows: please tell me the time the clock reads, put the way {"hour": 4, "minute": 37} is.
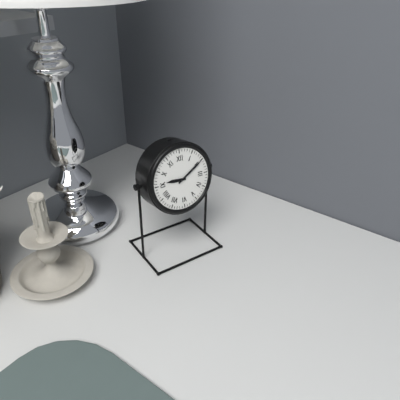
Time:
{"hour": 9, "minute": 10}
